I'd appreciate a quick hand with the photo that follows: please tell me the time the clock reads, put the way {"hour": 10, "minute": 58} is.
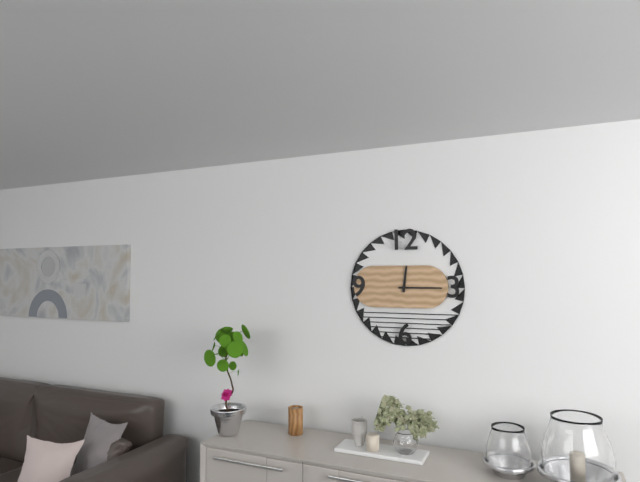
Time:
{"hour": 12, "minute": 15}
